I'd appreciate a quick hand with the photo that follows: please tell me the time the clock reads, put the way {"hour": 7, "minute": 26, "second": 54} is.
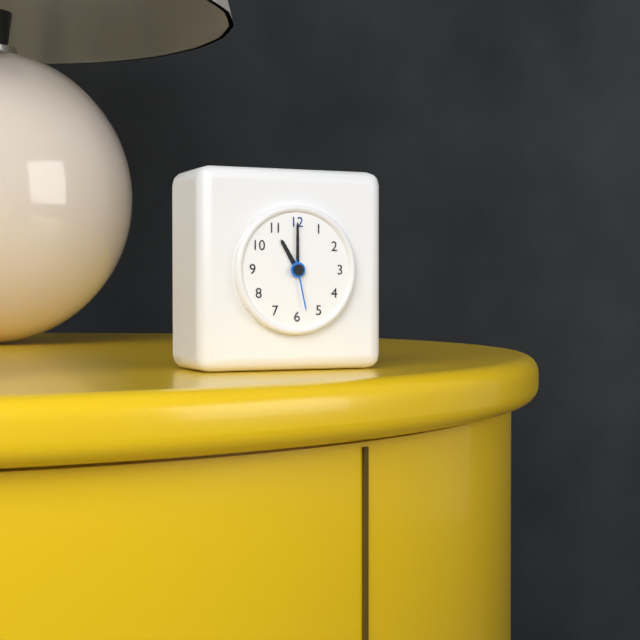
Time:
{"hour": 11, "minute": 0, "second": 28}
